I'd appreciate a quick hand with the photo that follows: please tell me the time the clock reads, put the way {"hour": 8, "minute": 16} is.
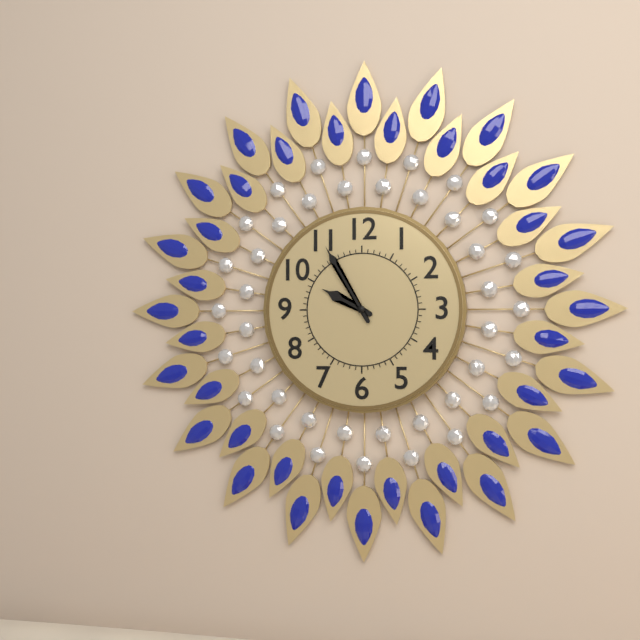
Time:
{"hour": 9, "minute": 55}
